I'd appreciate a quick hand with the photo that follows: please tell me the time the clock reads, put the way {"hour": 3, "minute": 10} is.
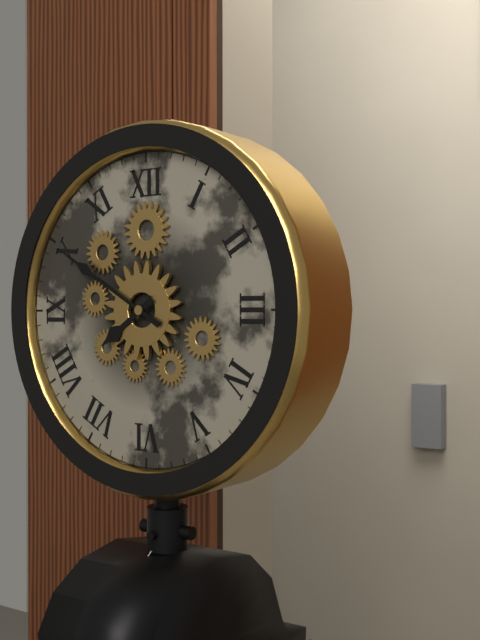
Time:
{"hour": 7, "minute": 50}
